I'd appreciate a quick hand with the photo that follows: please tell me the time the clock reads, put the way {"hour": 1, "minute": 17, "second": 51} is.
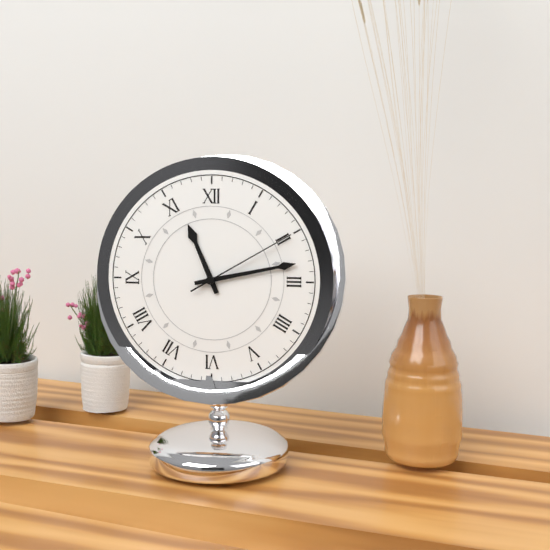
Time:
{"hour": 11, "minute": 13, "second": 10}
